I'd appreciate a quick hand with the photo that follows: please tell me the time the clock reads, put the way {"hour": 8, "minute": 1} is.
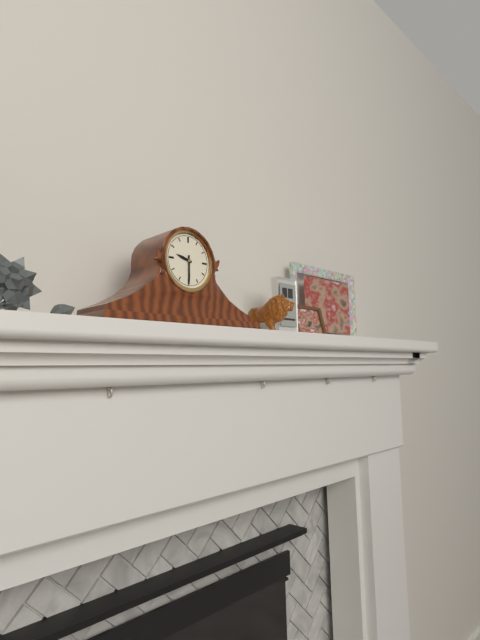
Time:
{"hour": 9, "minute": 30}
